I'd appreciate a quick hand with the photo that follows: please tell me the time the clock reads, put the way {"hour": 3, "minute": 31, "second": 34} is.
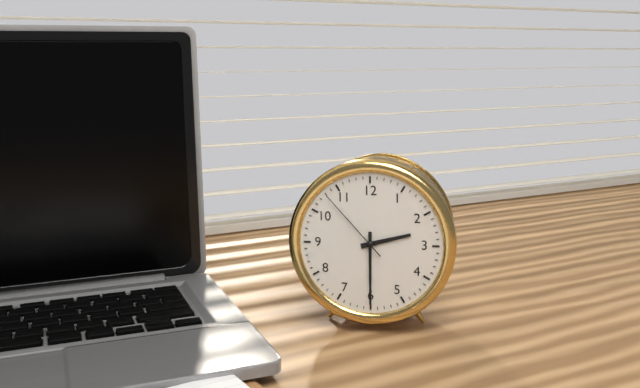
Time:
{"hour": 2, "minute": 30, "second": 53}
